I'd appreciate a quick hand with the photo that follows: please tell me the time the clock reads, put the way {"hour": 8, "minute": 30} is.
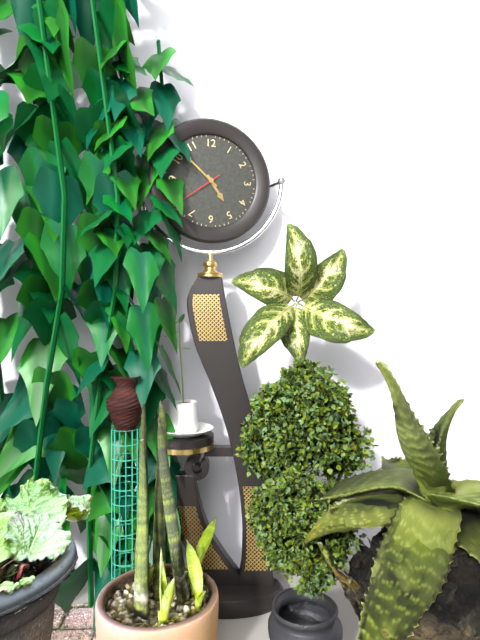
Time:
{"hour": 4, "minute": 52}
